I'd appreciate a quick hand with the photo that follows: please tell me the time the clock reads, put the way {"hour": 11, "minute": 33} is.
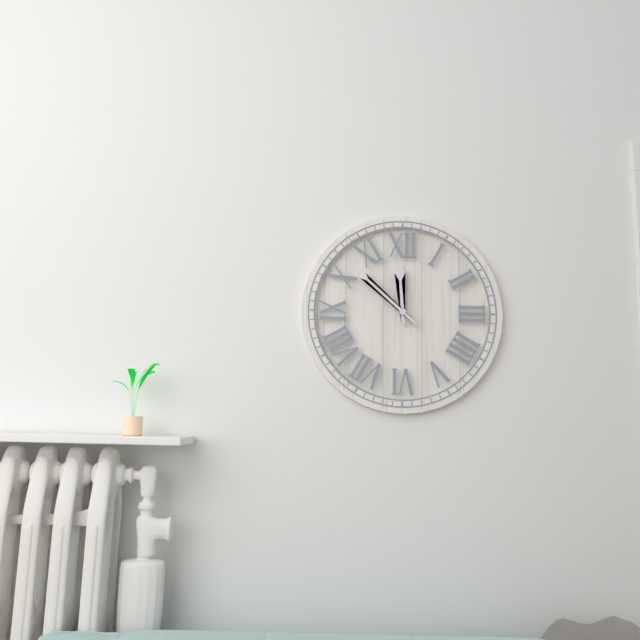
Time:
{"hour": 11, "minute": 52}
